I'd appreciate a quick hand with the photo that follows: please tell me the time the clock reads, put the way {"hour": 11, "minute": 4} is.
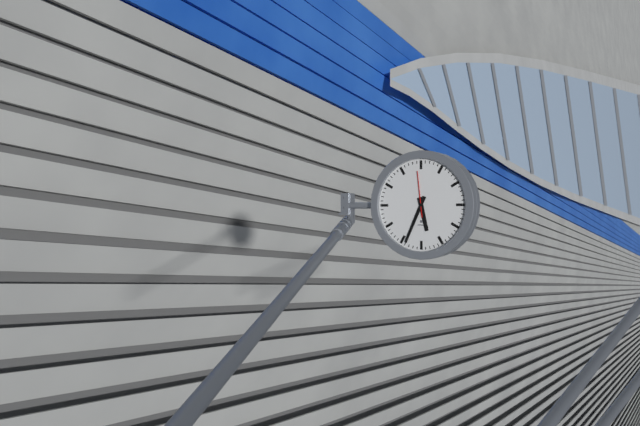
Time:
{"hour": 5, "minute": 34}
